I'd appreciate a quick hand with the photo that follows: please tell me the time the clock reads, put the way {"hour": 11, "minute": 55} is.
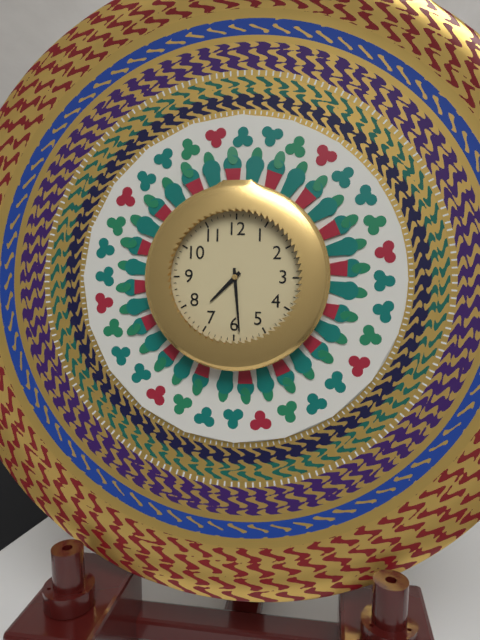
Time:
{"hour": 7, "minute": 29}
